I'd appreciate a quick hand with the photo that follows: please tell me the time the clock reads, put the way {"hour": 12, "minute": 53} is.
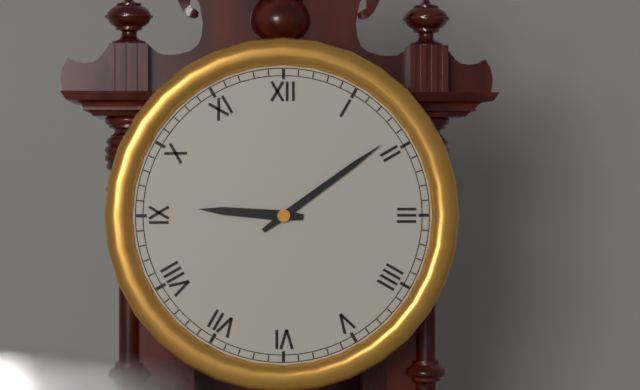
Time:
{"hour": 9, "minute": 9}
